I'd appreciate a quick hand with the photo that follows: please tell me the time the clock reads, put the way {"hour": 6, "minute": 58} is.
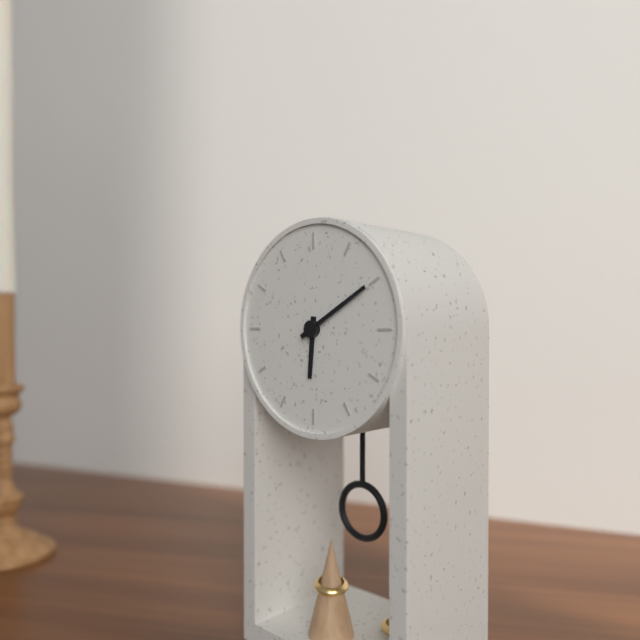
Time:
{"hour": 6, "minute": 10}
